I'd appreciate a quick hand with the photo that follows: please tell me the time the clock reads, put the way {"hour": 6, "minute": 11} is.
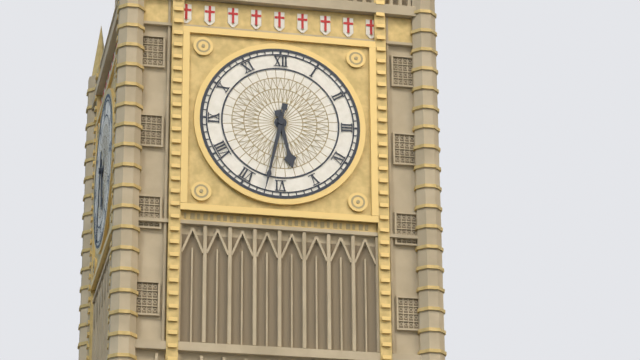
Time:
{"hour": 5, "minute": 32}
